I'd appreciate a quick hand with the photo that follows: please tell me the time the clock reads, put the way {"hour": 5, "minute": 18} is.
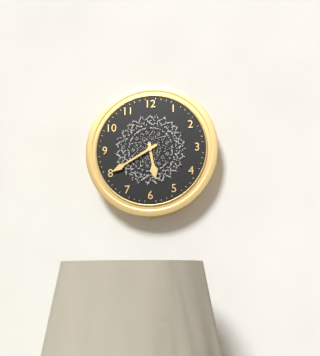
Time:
{"hour": 5, "minute": 40}
